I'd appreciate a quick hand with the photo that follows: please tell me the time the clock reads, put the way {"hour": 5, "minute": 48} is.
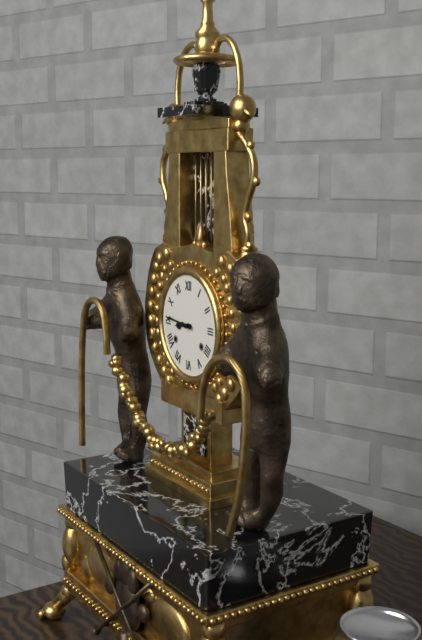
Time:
{"hour": 8, "minute": 46}
